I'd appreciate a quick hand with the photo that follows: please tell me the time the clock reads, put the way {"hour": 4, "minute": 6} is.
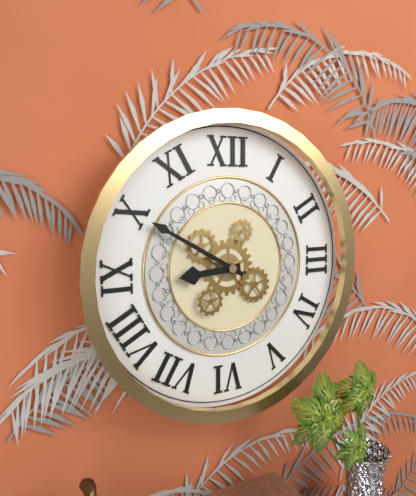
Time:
{"hour": 8, "minute": 50}
